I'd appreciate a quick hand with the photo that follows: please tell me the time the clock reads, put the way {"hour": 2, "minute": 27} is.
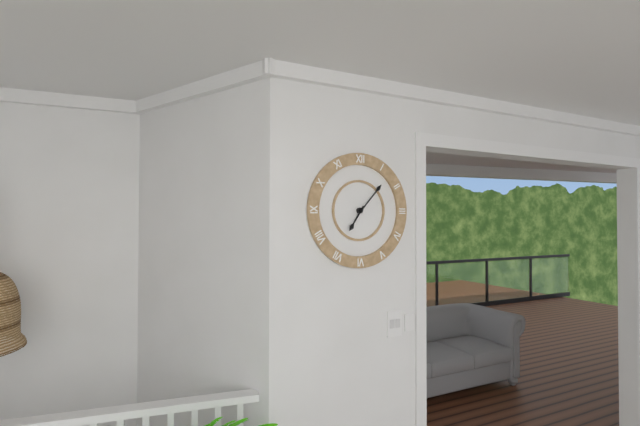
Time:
{"hour": 7, "minute": 7}
